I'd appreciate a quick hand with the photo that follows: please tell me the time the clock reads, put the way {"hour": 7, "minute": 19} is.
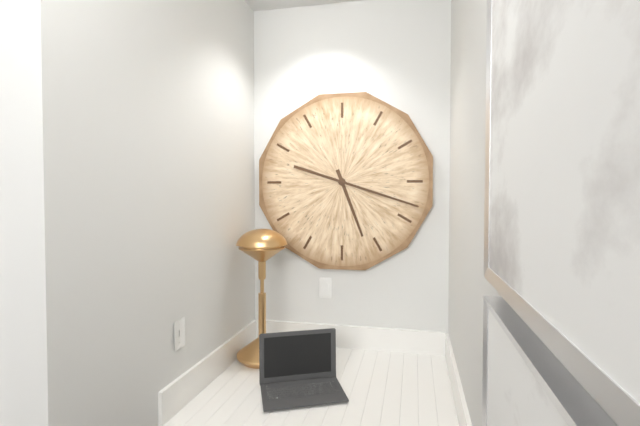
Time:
{"hour": 5, "minute": 18}
